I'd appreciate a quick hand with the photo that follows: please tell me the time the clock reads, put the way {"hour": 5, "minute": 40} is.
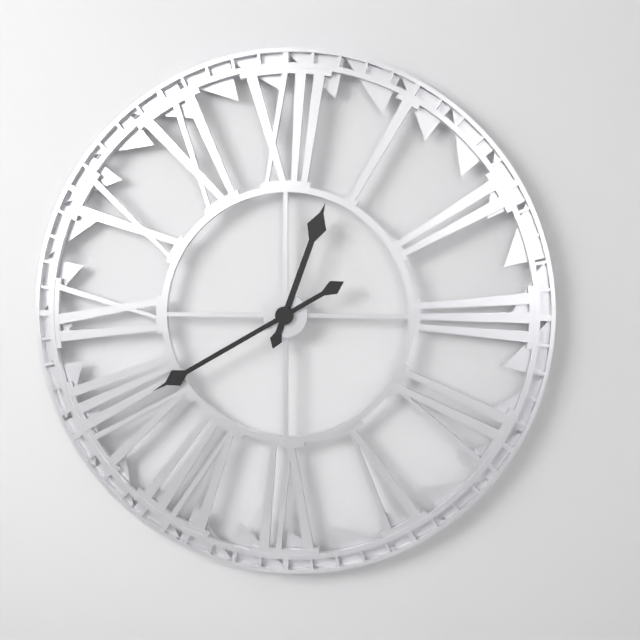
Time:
{"hour": 12, "minute": 40}
